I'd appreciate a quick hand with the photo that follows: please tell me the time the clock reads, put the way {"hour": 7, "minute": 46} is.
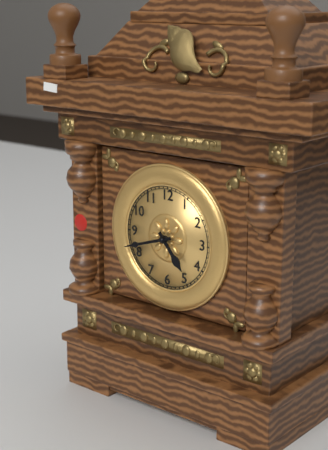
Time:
{"hour": 4, "minute": 42}
